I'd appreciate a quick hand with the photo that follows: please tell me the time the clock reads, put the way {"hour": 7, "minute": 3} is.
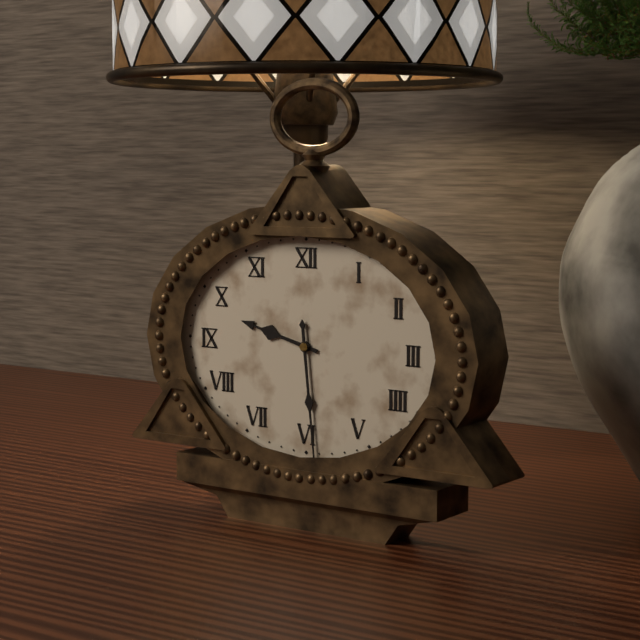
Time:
{"hour": 9, "minute": 29}
